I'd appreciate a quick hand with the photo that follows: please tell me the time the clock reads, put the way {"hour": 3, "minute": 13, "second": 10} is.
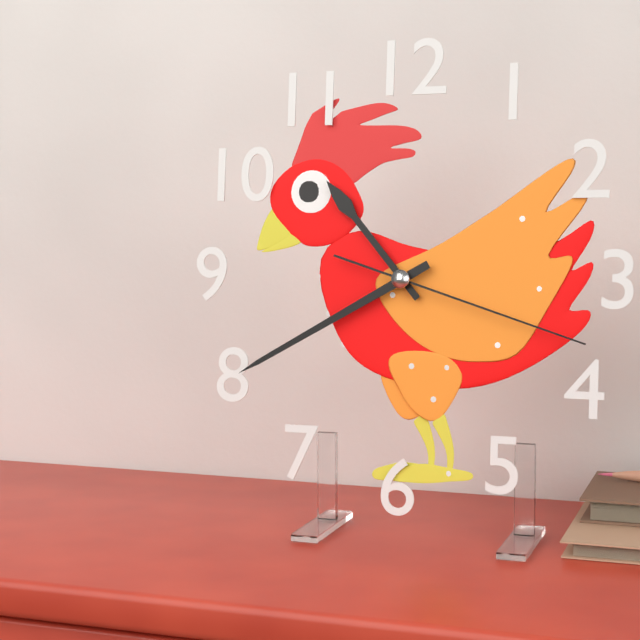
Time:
{"hour": 10, "minute": 40, "second": 18}
